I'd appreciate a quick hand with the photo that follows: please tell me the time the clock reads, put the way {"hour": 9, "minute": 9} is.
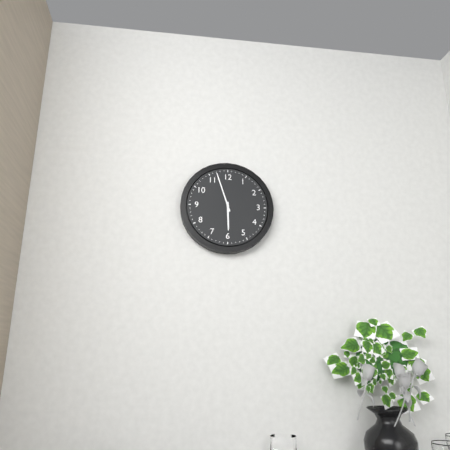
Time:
{"hour": 5, "minute": 57}
